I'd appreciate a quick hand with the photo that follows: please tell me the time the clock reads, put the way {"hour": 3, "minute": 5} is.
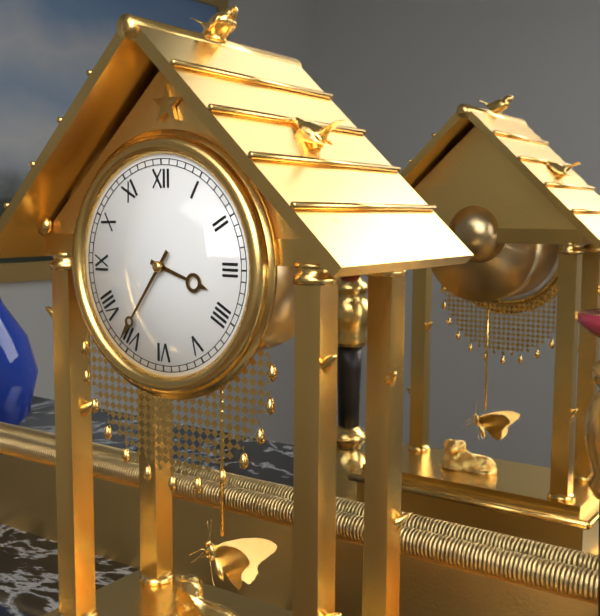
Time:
{"hour": 3, "minute": 36}
